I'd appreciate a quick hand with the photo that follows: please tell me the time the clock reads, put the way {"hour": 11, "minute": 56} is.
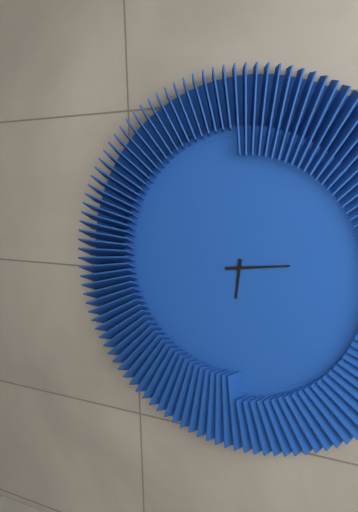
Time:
{"hour": 6, "minute": 14}
